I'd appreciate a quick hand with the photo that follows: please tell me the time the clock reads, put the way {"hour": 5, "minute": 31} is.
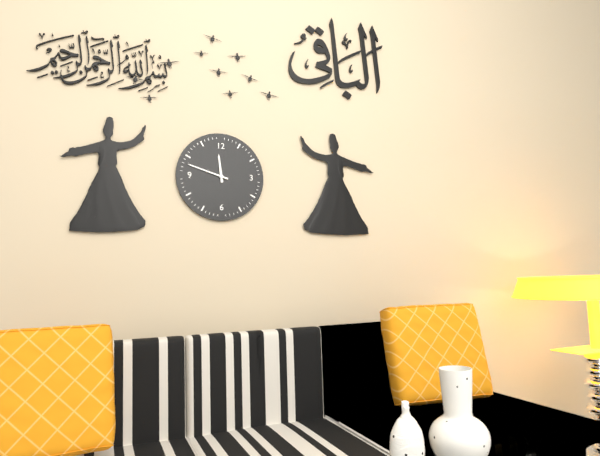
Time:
{"hour": 11, "minute": 48}
